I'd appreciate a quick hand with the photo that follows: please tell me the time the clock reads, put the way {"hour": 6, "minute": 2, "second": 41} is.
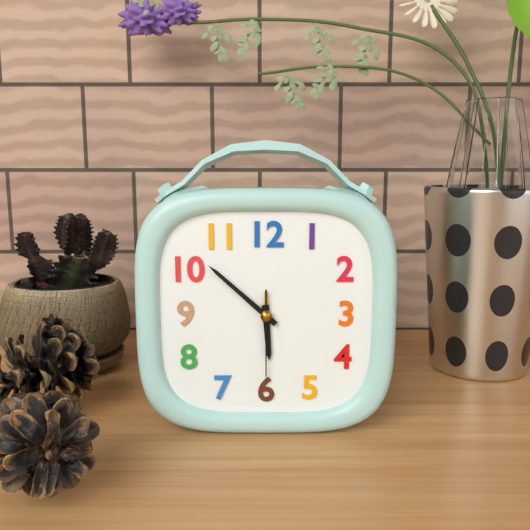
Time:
{"hour": 5, "minute": 52, "second": 30}
